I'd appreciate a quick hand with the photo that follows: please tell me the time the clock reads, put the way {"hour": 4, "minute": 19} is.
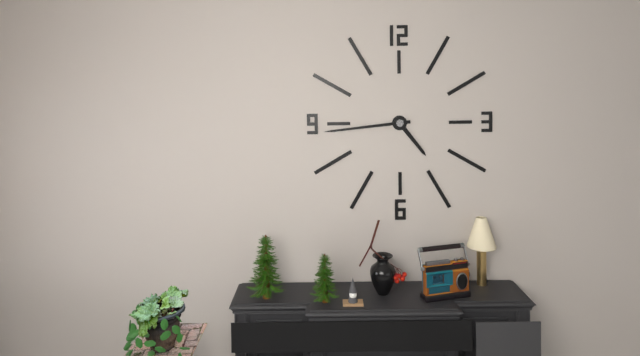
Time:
{"hour": 4, "minute": 44}
